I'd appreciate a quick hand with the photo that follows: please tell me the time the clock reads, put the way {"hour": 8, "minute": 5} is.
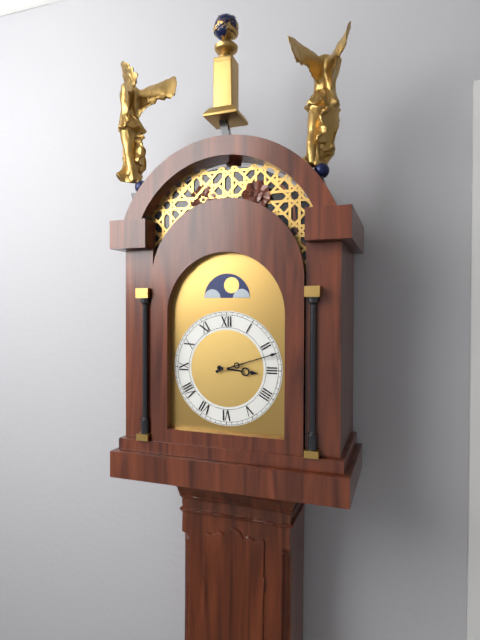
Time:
{"hour": 3, "minute": 12}
